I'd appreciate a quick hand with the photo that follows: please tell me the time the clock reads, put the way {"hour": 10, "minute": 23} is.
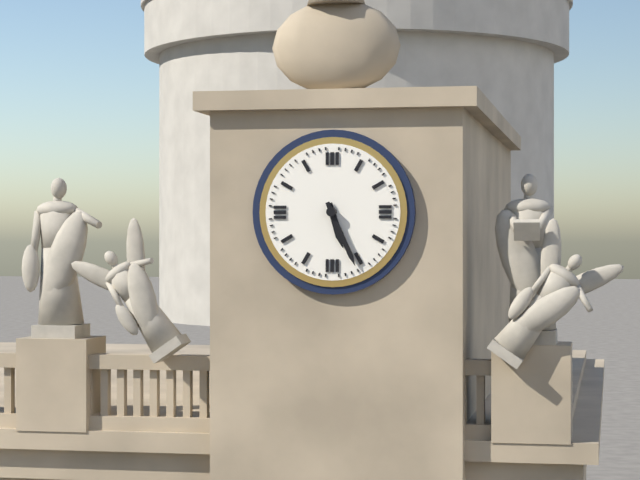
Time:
{"hour": 5, "minute": 26}
